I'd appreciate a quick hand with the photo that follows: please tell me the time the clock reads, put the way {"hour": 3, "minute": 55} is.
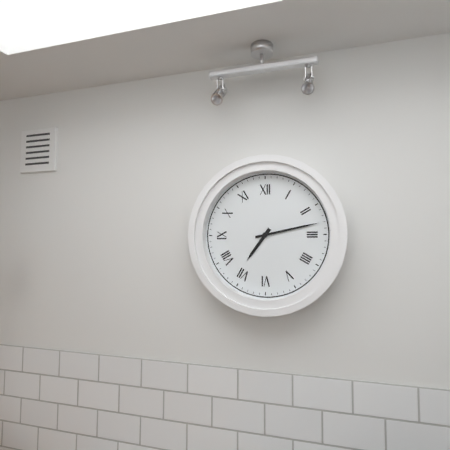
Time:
{"hour": 7, "minute": 13}
